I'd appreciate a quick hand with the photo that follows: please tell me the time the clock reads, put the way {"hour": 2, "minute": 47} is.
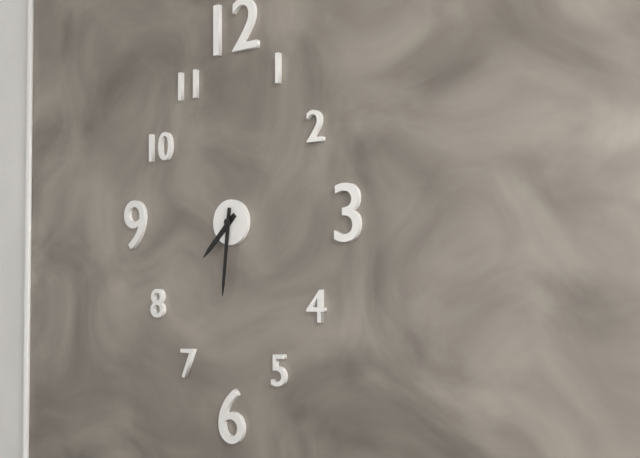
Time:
{"hour": 7, "minute": 31}
